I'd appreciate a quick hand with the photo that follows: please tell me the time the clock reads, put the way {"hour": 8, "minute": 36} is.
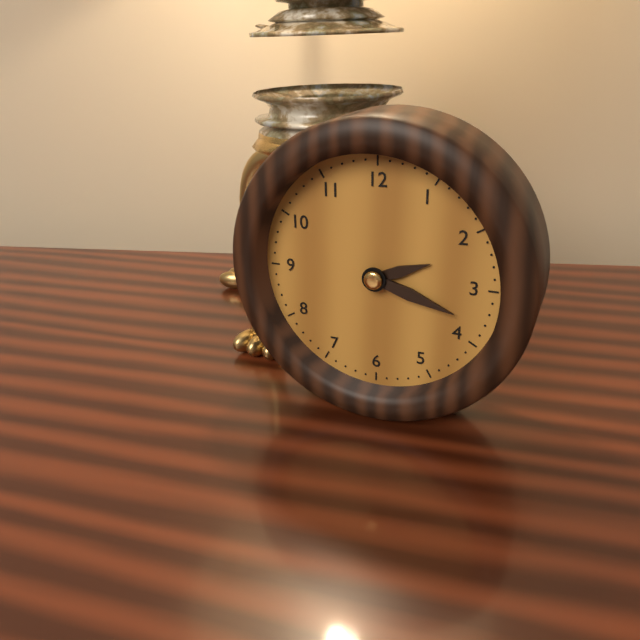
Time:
{"hour": 2, "minute": 18}
